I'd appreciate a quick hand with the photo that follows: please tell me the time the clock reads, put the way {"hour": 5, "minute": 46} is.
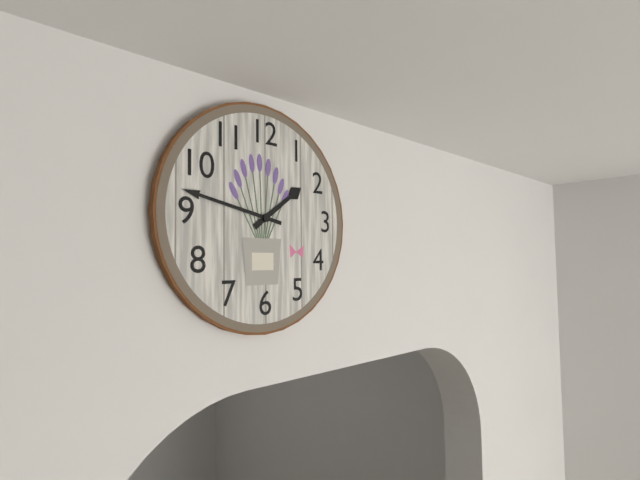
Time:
{"hour": 1, "minute": 47}
